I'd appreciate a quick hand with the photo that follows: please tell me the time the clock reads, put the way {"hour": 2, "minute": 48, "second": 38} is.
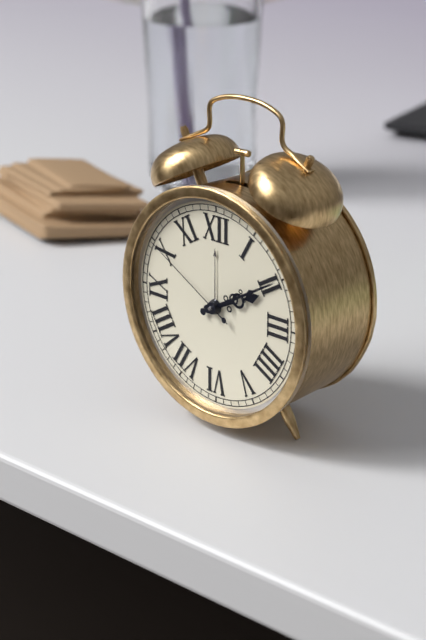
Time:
{"hour": 2, "minute": 10, "second": 50}
